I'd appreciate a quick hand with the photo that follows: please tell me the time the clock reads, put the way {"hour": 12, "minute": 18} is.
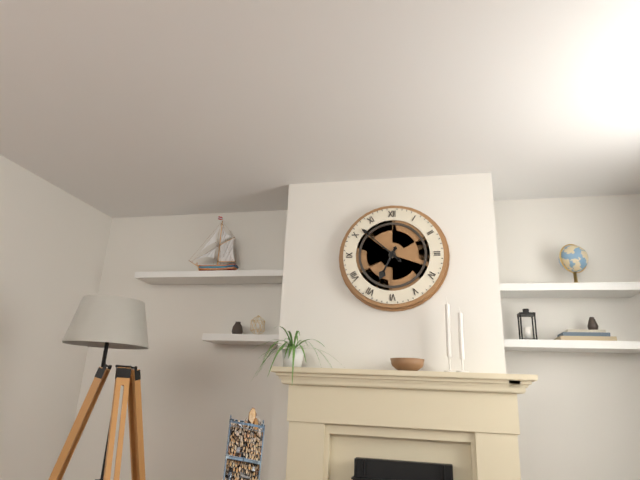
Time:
{"hour": 6, "minute": 52}
